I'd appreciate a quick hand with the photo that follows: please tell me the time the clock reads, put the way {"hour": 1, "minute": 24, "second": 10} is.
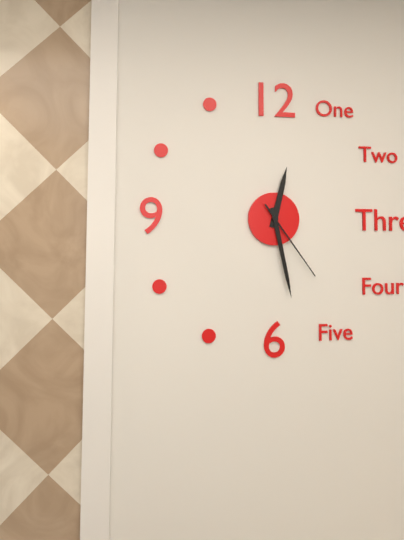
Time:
{"hour": 12, "minute": 28, "second": 24}
